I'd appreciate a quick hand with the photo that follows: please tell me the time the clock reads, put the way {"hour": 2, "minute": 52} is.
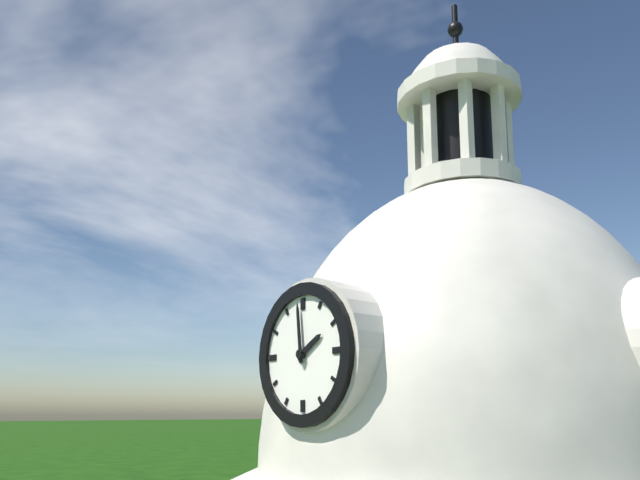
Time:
{"hour": 1, "minute": 59}
